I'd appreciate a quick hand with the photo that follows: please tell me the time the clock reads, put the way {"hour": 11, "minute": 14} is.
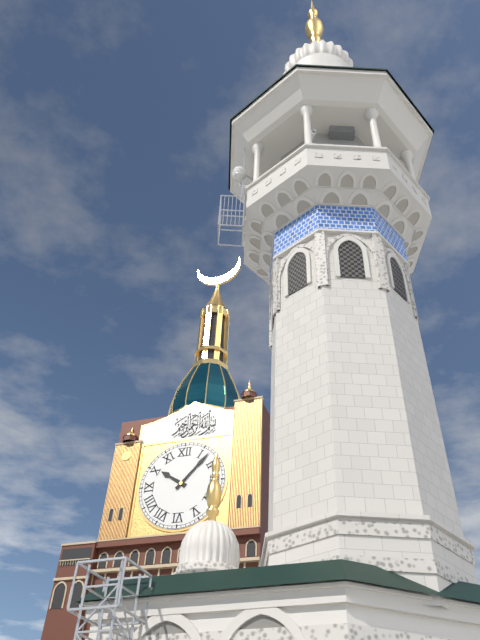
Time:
{"hour": 10, "minute": 7}
